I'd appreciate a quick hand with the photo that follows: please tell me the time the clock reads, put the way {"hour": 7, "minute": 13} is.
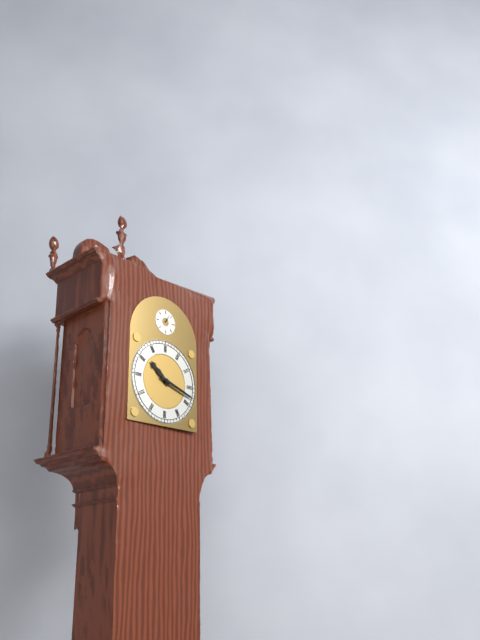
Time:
{"hour": 10, "minute": 18}
